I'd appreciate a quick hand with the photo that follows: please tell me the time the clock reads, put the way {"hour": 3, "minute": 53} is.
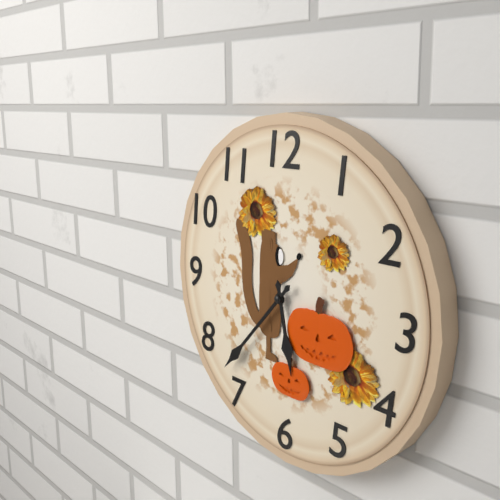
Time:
{"hour": 5, "minute": 37}
